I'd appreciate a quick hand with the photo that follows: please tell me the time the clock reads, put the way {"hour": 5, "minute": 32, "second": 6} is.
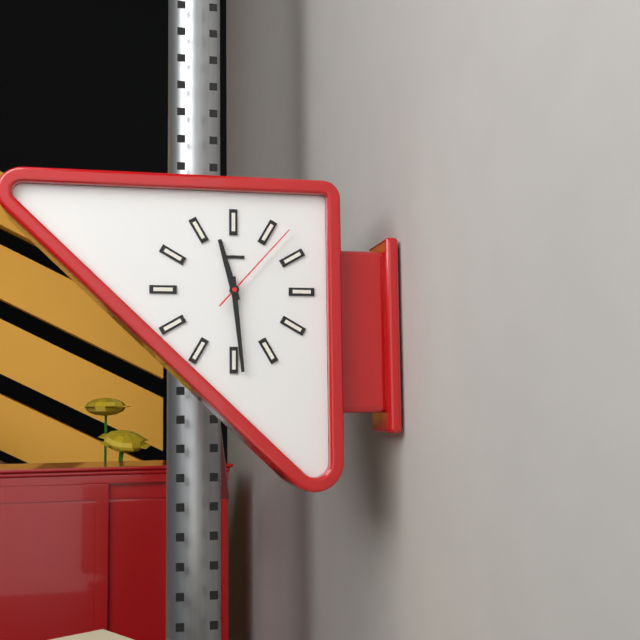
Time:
{"hour": 11, "minute": 29, "second": 7}
